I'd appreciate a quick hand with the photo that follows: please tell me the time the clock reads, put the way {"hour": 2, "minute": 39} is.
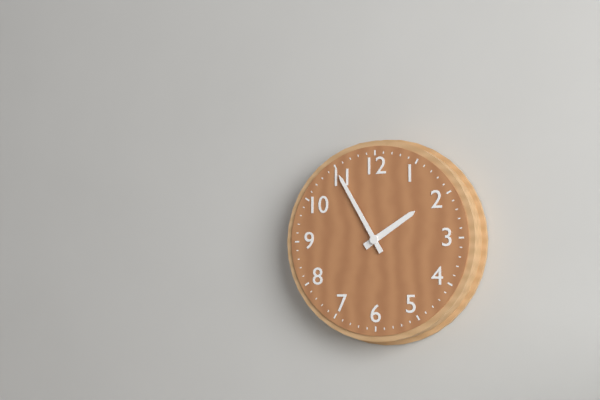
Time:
{"hour": 1, "minute": 55}
